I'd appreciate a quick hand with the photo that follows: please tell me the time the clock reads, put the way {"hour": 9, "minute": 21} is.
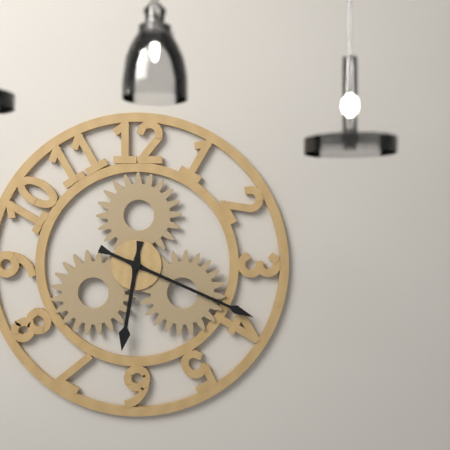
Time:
{"hour": 6, "minute": 19}
